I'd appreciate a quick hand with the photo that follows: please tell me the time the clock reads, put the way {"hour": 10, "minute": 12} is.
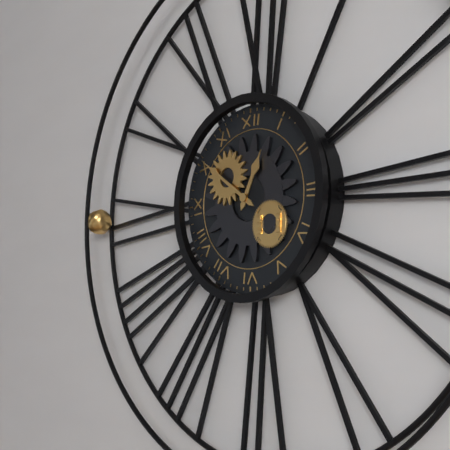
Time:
{"hour": 12, "minute": 51}
